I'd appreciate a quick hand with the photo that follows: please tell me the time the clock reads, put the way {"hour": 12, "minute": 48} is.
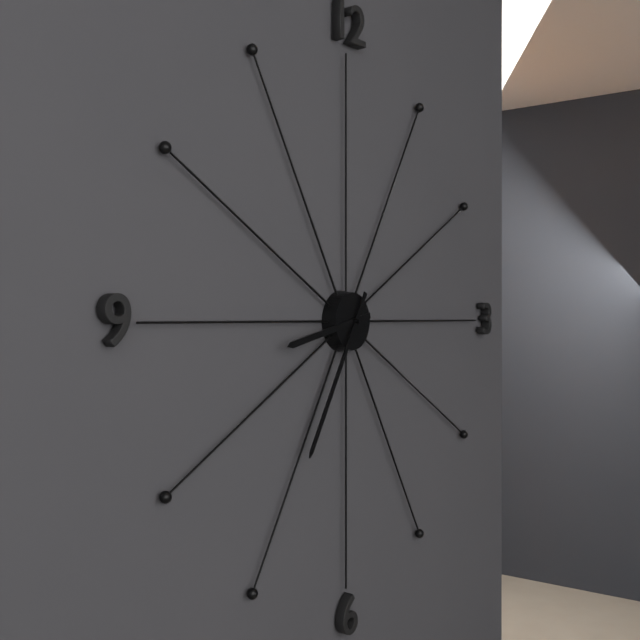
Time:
{"hour": 8, "minute": 35}
